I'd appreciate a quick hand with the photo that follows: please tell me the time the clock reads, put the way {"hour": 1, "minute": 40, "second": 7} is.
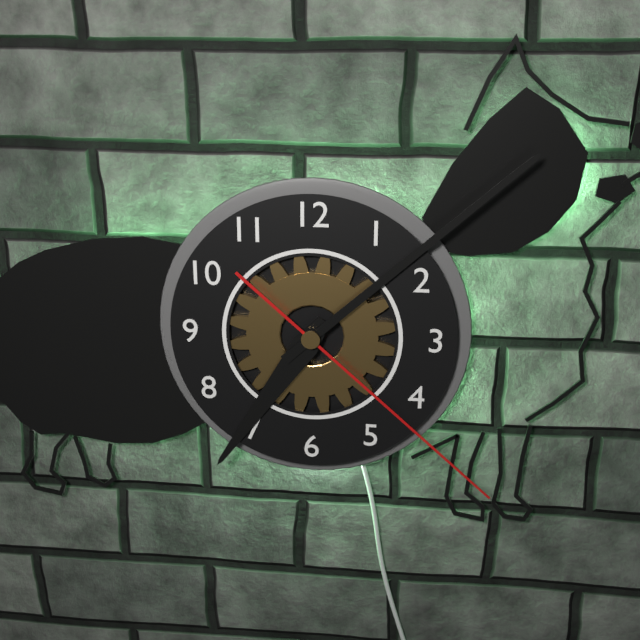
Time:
{"hour": 7, "minute": 8, "second": 22}
